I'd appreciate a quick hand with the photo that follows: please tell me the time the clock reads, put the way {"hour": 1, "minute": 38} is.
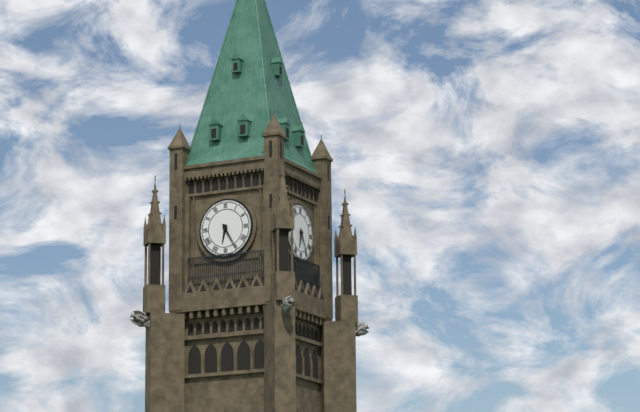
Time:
{"hour": 6, "minute": 25}
